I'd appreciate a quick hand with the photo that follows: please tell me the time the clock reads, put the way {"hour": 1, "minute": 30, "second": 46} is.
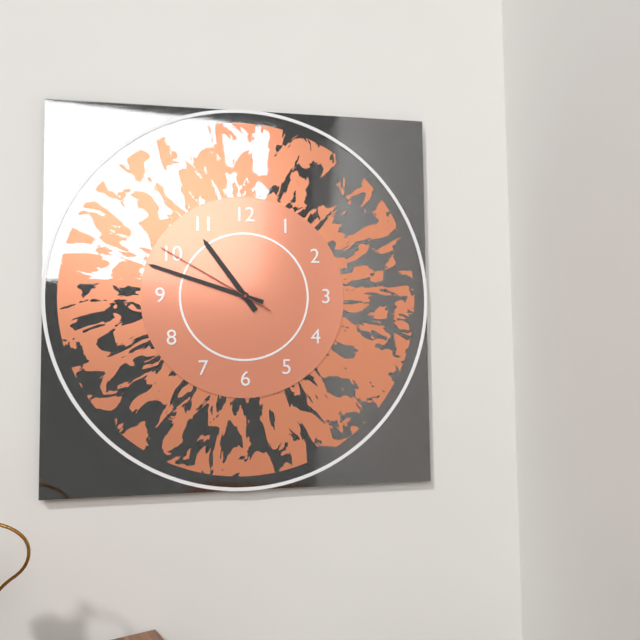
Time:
{"hour": 10, "minute": 48, "second": 50}
